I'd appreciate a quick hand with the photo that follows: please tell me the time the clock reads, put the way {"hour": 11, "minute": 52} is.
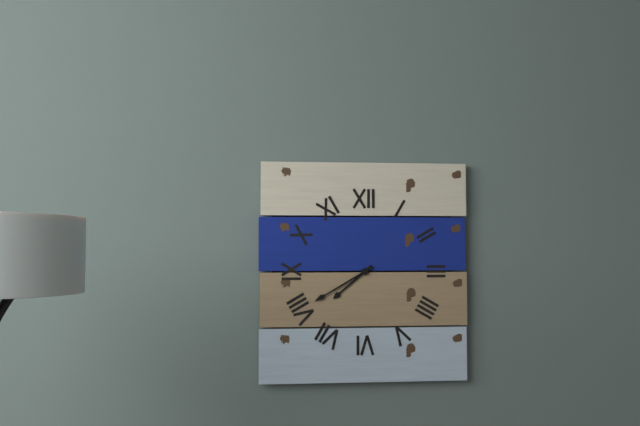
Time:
{"hour": 7, "minute": 40}
